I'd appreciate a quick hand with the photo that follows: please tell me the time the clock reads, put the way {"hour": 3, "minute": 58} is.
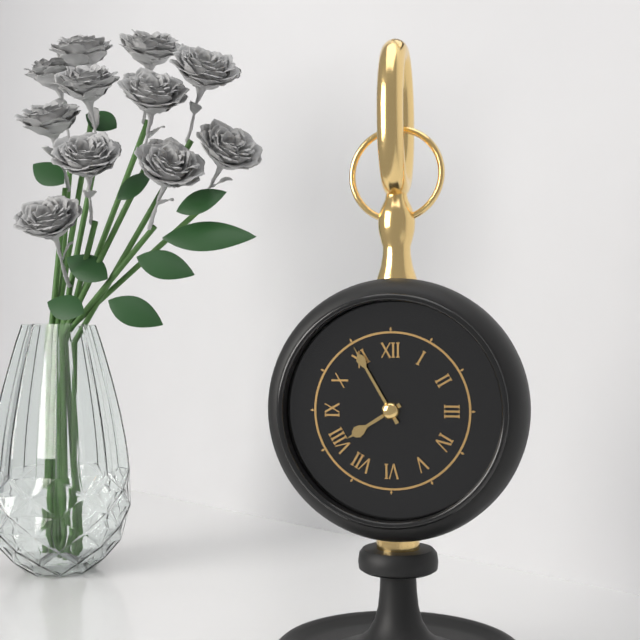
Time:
{"hour": 7, "minute": 55}
